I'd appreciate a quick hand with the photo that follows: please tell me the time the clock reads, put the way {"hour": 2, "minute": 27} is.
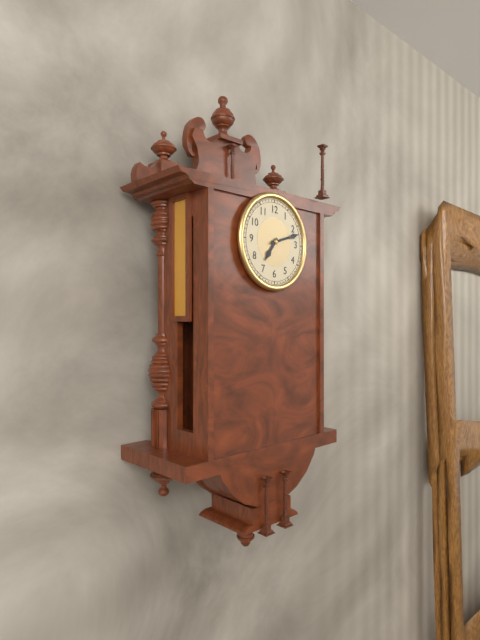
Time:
{"hour": 7, "minute": 12}
